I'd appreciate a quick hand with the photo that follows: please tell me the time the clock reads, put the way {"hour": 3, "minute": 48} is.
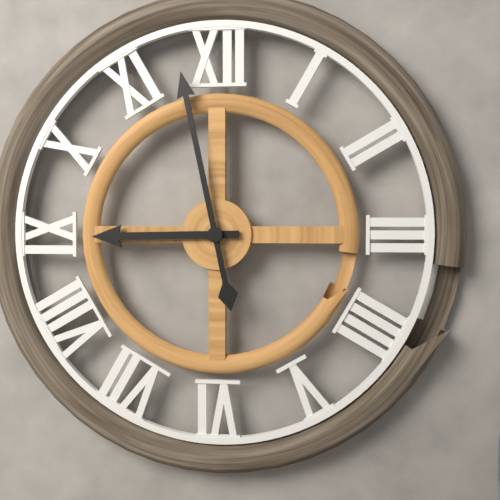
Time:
{"hour": 8, "minute": 58}
